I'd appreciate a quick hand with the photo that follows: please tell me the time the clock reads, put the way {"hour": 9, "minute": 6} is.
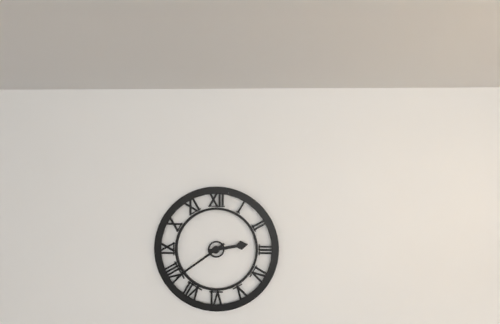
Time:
{"hour": 2, "minute": 39}
